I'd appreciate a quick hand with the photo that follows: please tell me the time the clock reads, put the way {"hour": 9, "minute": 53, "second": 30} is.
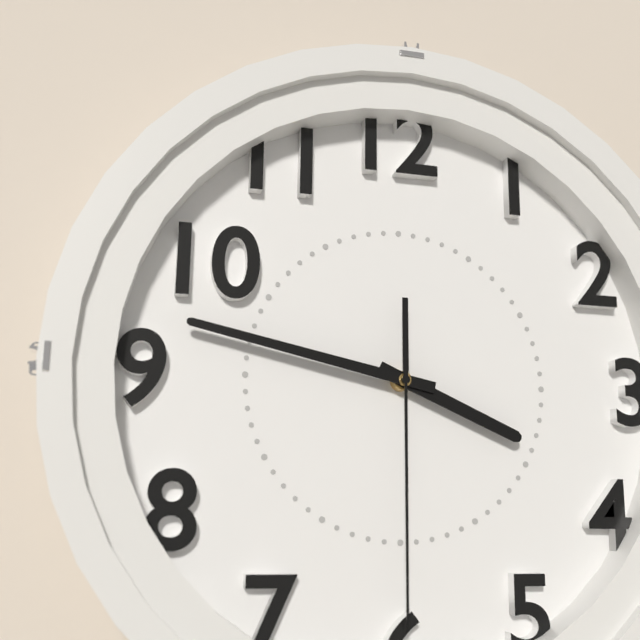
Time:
{"hour": 3, "minute": 47, "second": 30}
